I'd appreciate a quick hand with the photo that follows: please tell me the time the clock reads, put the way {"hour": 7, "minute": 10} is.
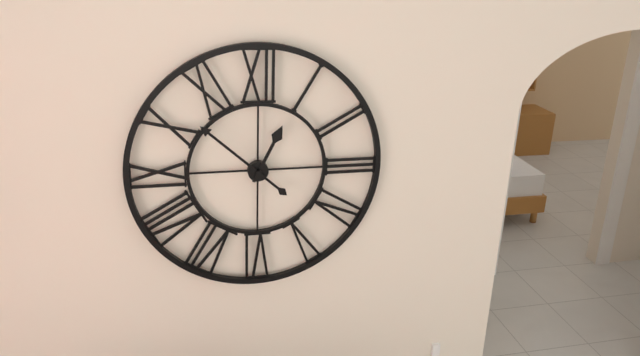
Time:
{"hour": 12, "minute": 52}
